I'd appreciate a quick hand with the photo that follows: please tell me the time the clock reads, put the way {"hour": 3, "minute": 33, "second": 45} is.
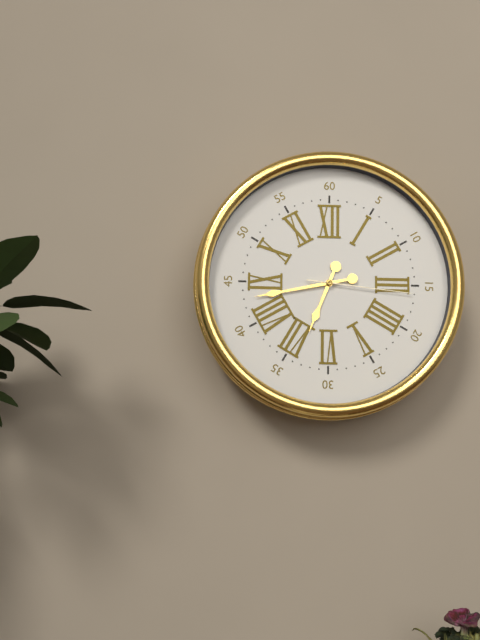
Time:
{"hour": 6, "minute": 43, "second": 16}
